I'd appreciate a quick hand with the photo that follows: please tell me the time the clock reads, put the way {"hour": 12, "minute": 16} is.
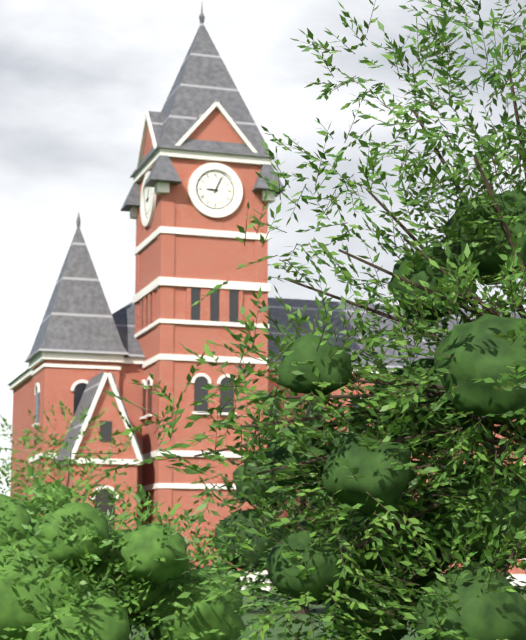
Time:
{"hour": 9, "minute": 4}
